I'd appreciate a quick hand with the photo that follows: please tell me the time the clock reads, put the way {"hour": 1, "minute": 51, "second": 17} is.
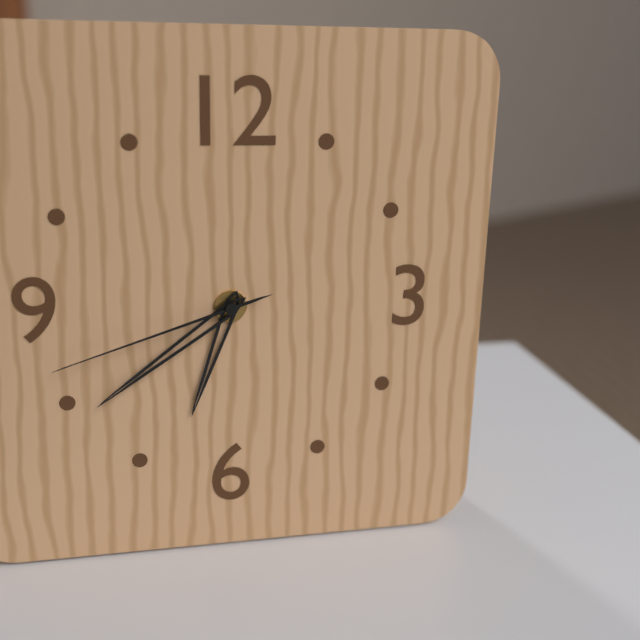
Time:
{"hour": 6, "minute": 39, "second": 42}
